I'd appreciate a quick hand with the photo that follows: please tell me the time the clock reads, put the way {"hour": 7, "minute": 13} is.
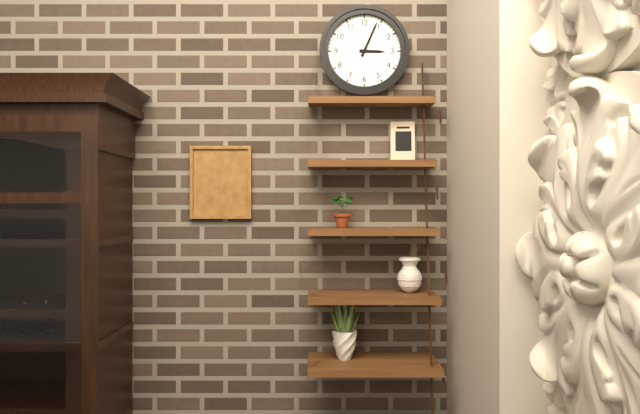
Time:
{"hour": 3, "minute": 4}
